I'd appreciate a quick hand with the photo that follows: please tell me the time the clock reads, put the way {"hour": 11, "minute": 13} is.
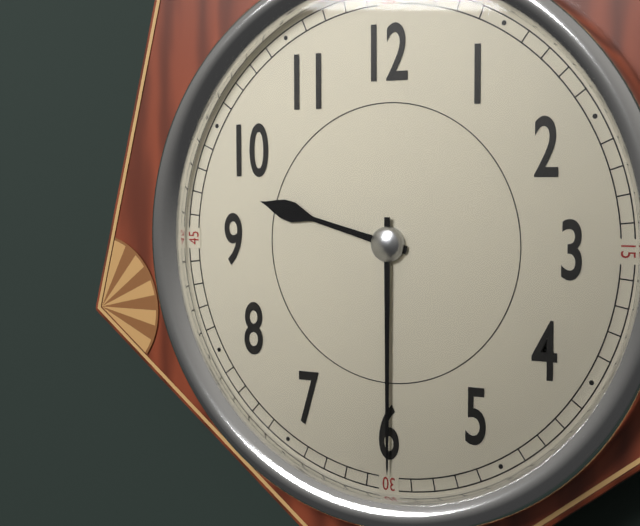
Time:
{"hour": 9, "minute": 30}
